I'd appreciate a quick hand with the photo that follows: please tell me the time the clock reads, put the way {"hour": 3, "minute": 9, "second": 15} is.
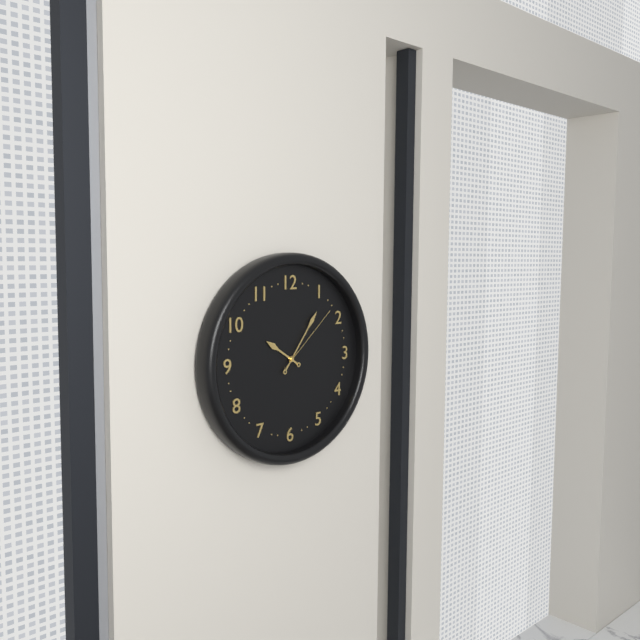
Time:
{"hour": 10, "minute": 6, "second": 8}
